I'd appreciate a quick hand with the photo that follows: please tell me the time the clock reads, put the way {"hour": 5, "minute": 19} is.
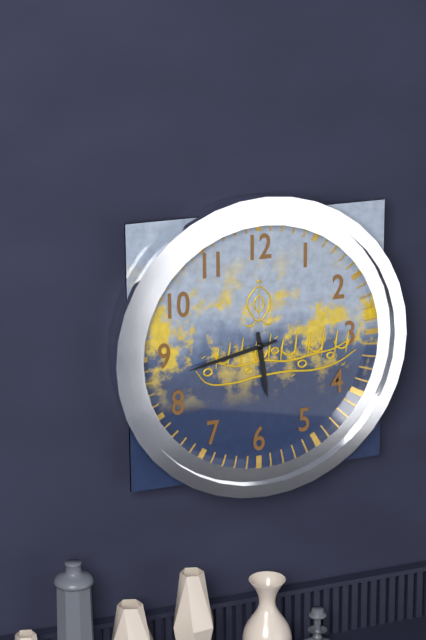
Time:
{"hour": 5, "minute": 43}
